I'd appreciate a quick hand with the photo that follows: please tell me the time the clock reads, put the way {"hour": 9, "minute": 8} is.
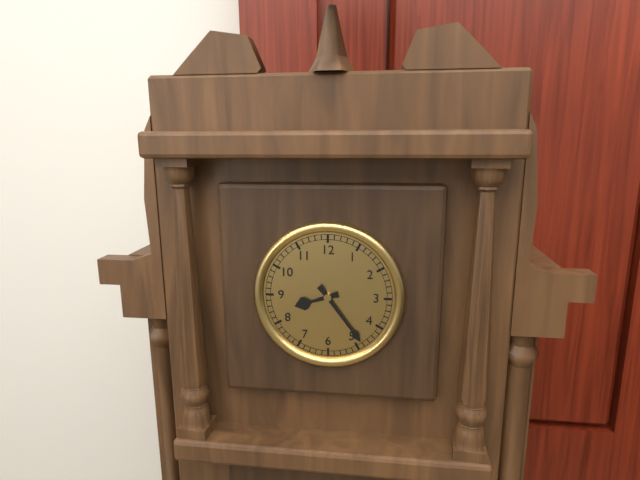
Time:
{"hour": 8, "minute": 24}
